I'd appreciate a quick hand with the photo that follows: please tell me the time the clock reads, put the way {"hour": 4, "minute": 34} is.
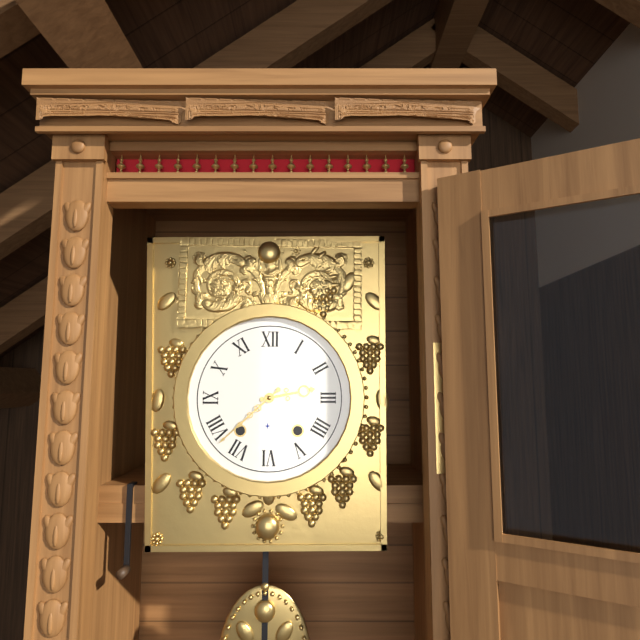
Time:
{"hour": 2, "minute": 38}
